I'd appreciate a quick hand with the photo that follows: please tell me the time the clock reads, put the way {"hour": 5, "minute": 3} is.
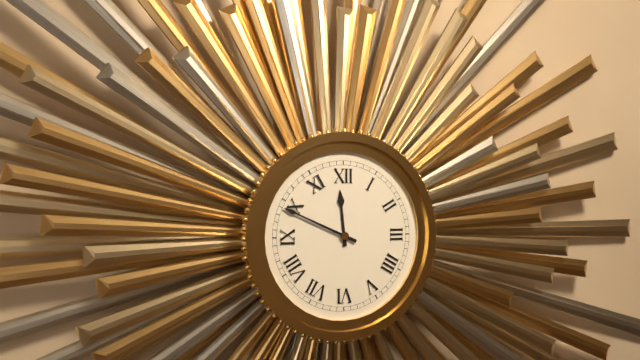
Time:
{"hour": 11, "minute": 49}
